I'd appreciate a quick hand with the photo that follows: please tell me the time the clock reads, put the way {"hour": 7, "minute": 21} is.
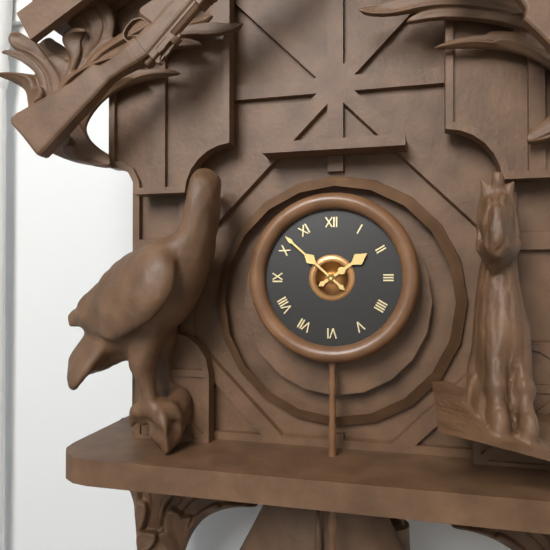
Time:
{"hour": 1, "minute": 52}
